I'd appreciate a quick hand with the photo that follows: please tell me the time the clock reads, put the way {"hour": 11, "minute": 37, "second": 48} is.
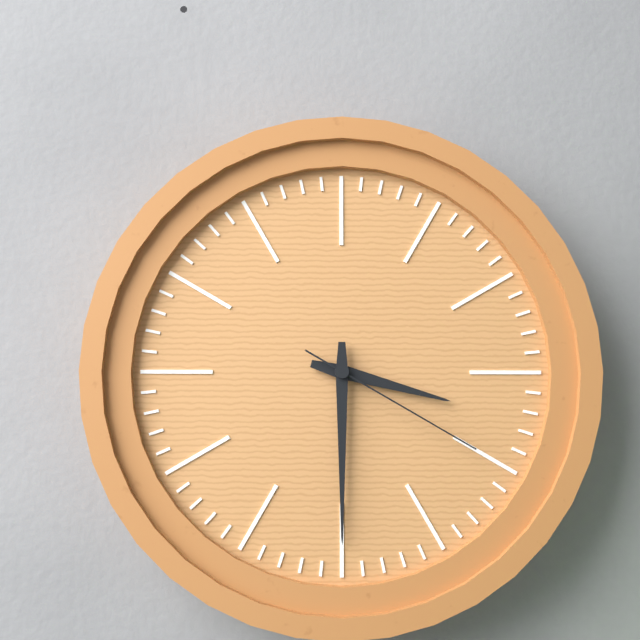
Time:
{"hour": 3, "minute": 30, "second": 20}
